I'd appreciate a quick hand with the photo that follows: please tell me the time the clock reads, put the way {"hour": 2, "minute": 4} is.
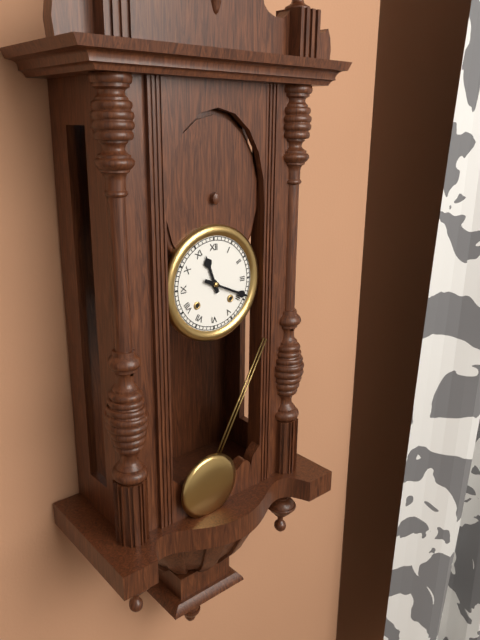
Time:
{"hour": 11, "minute": 19}
